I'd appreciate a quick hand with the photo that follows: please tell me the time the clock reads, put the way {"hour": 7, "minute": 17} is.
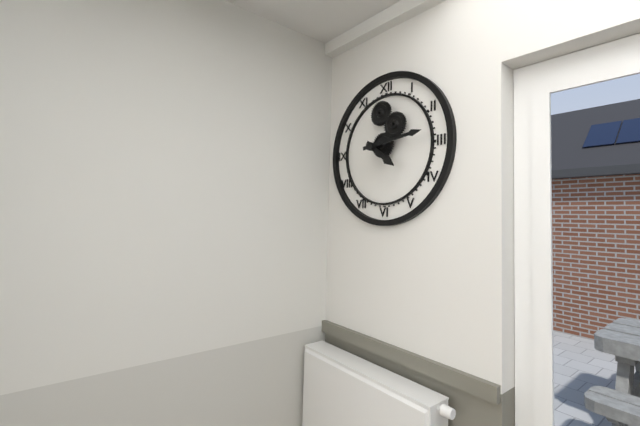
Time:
{"hour": 4, "minute": 14}
